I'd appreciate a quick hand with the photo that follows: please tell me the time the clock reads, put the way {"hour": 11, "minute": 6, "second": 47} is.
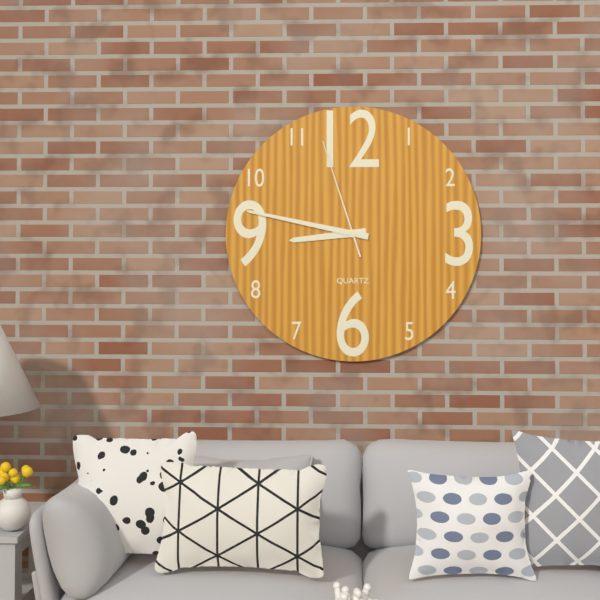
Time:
{"hour": 8, "minute": 47, "second": 57}
